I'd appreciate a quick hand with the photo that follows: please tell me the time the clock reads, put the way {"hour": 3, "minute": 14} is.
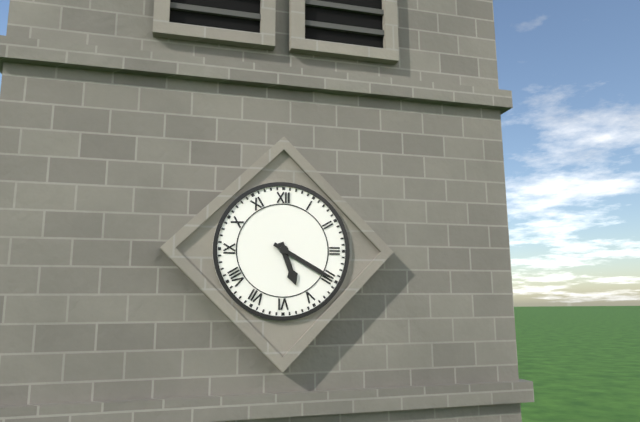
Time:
{"hour": 5, "minute": 20}
